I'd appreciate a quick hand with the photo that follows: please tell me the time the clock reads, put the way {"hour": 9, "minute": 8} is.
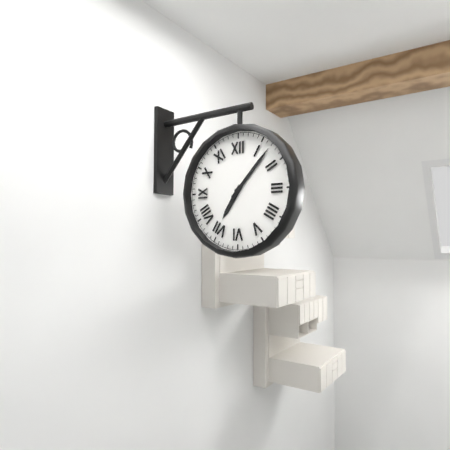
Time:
{"hour": 7, "minute": 7}
